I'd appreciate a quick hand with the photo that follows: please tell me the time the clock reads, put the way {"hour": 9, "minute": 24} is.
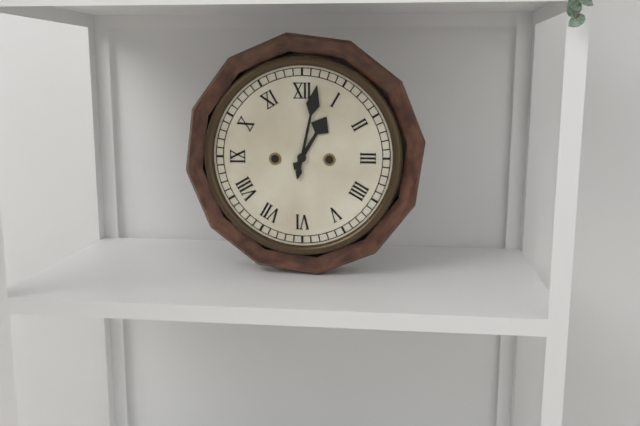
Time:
{"hour": 1, "minute": 2}
